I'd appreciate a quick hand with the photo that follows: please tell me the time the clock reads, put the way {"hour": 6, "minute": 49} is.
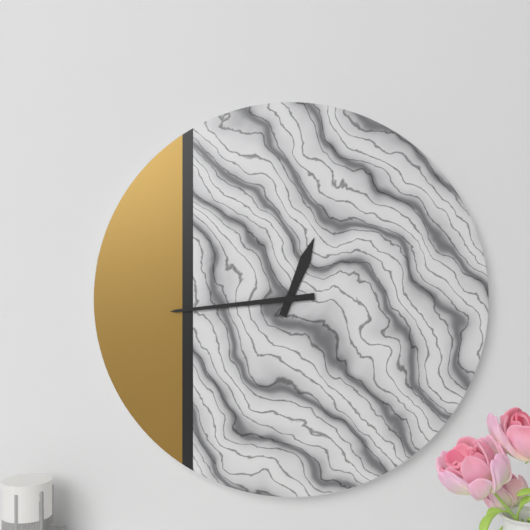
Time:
{"hour": 12, "minute": 44}
